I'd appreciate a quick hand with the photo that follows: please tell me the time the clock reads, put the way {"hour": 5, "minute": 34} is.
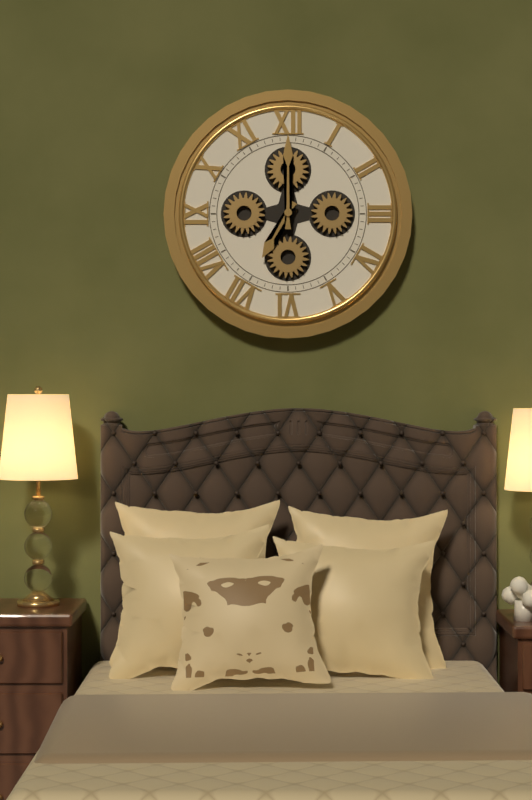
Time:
{"hour": 7, "minute": 0}
